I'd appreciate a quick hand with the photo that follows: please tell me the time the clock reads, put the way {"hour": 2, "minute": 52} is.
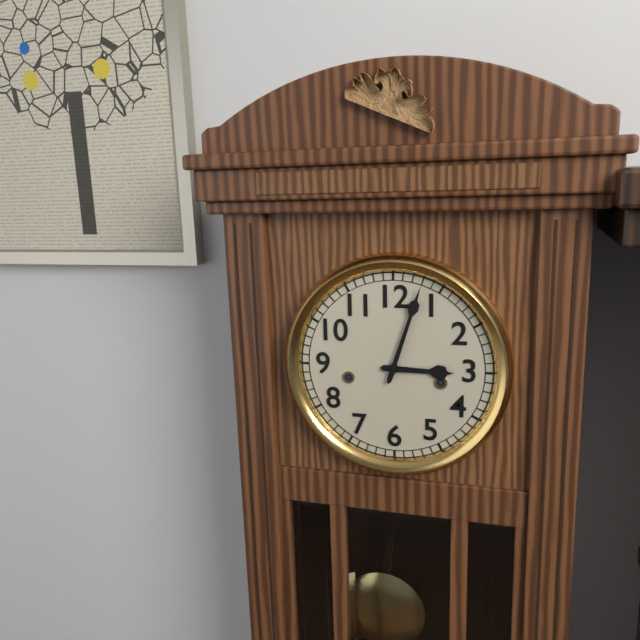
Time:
{"hour": 3, "minute": 3}
